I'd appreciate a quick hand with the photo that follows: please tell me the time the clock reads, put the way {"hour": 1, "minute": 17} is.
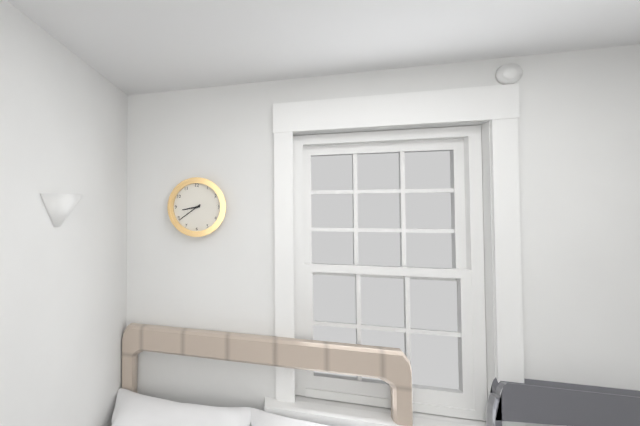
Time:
{"hour": 8, "minute": 39}
